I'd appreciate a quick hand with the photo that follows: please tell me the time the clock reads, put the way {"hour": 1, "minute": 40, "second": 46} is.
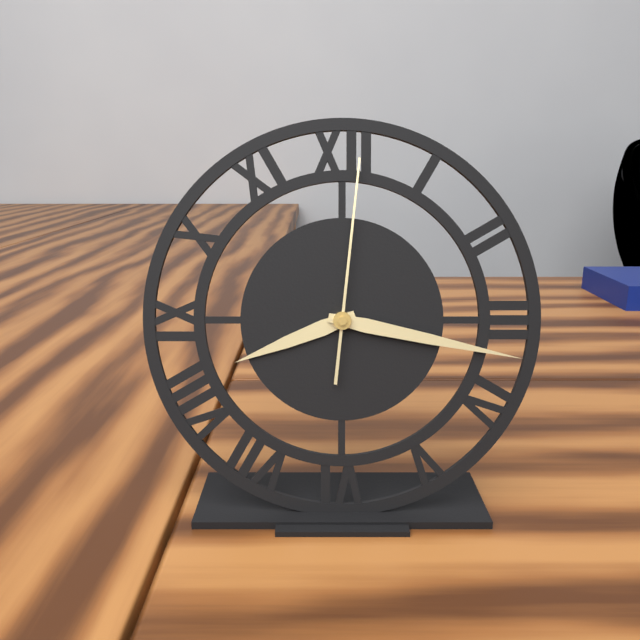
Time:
{"hour": 8, "minute": 17, "second": 1}
